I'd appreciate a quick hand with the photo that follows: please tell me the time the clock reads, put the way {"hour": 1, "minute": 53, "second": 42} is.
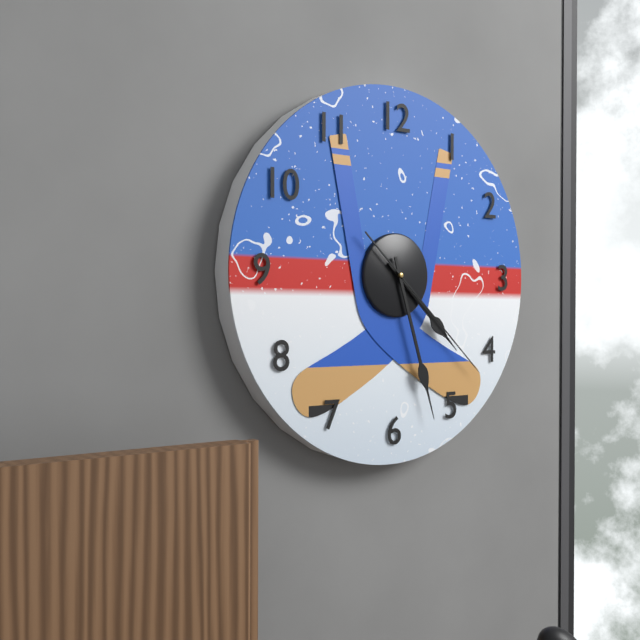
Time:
{"hour": 4, "minute": 27, "second": 22}
